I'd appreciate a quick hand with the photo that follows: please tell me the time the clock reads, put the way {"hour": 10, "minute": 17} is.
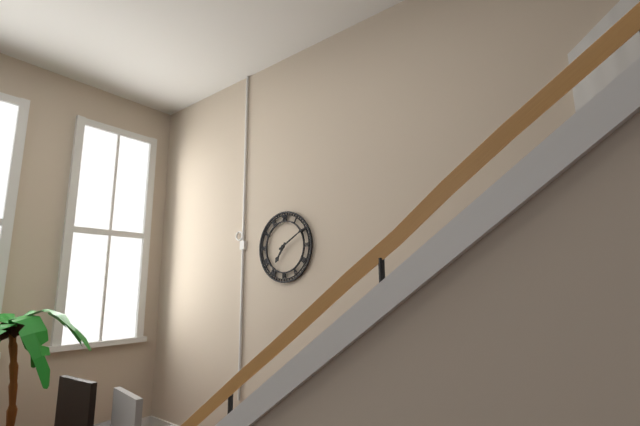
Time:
{"hour": 7, "minute": 10}
